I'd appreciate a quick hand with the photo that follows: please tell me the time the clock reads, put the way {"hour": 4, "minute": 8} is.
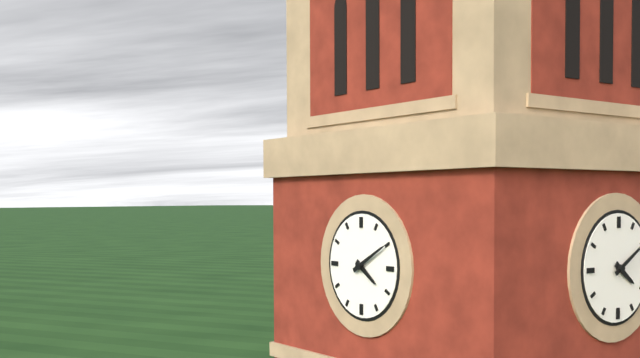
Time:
{"hour": 4, "minute": 10}
